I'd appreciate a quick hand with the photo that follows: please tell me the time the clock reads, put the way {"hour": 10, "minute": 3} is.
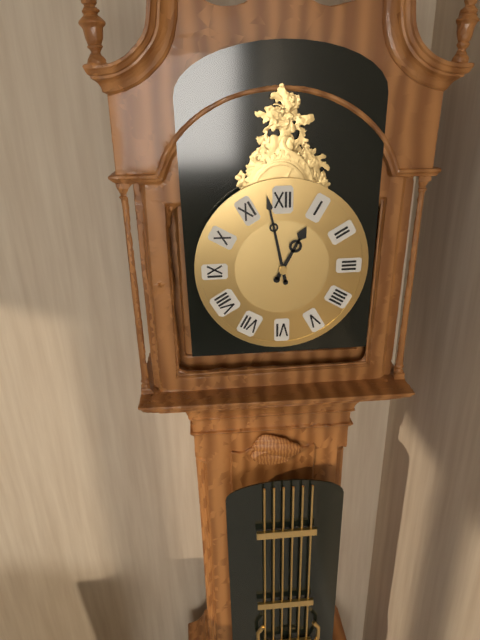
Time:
{"hour": 12, "minute": 58}
